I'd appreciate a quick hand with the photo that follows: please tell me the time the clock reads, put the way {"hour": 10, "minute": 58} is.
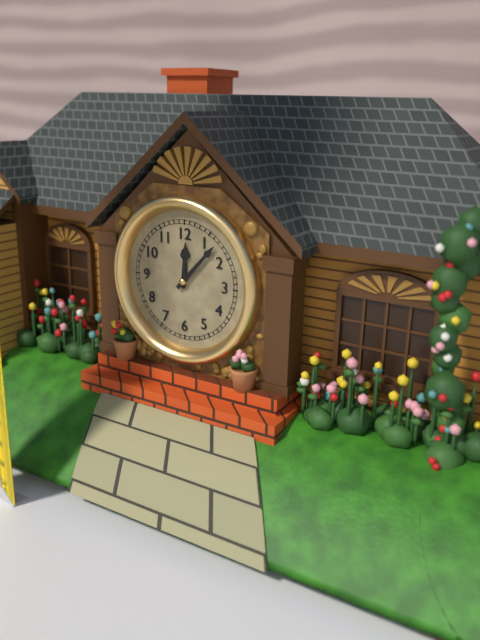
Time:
{"hour": 12, "minute": 7}
